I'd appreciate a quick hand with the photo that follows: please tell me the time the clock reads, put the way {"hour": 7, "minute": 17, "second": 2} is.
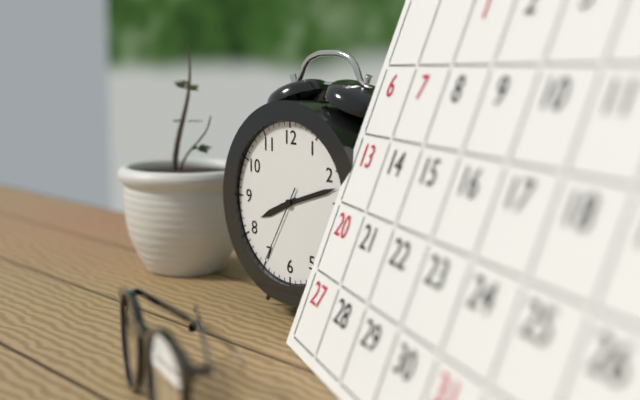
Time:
{"hour": 8, "minute": 12, "second": 35}
